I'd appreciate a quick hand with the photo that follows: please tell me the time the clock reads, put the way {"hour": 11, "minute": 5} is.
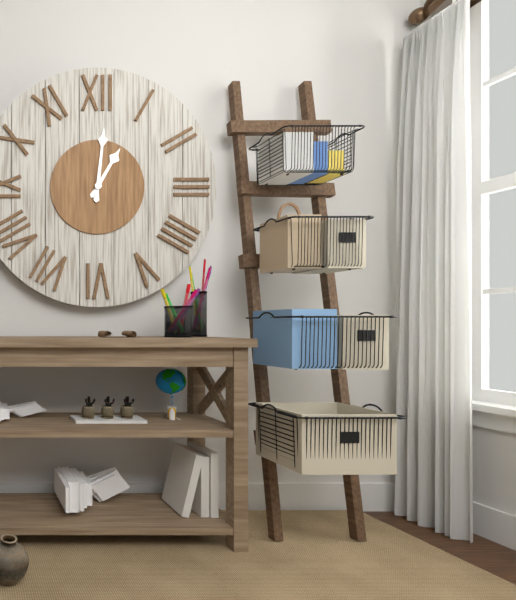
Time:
{"hour": 1, "minute": 1}
